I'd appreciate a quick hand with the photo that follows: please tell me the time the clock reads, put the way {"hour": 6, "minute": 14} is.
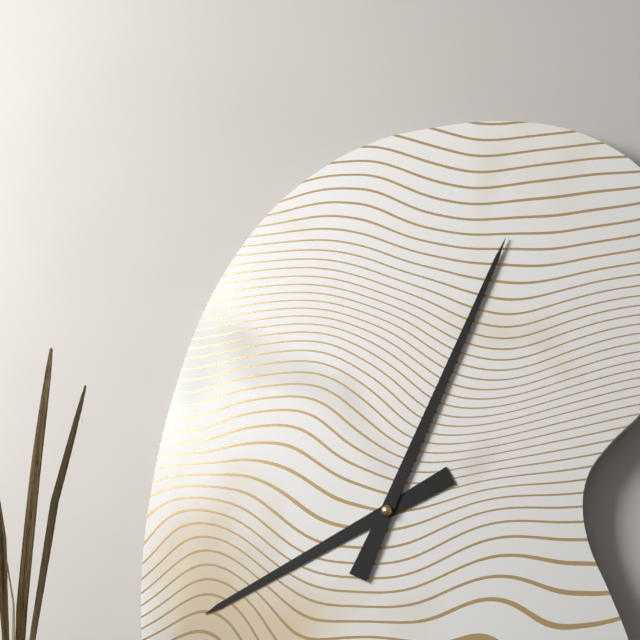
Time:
{"hour": 8, "minute": 4}
